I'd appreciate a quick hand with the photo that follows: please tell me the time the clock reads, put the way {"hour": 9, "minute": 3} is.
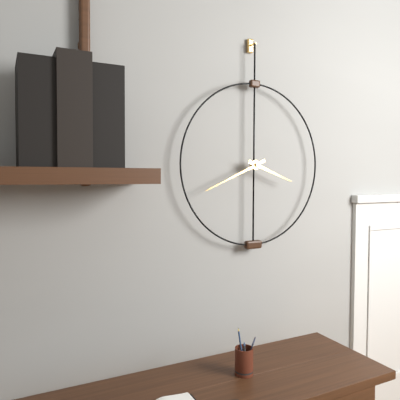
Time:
{"hour": 3, "minute": 41}
